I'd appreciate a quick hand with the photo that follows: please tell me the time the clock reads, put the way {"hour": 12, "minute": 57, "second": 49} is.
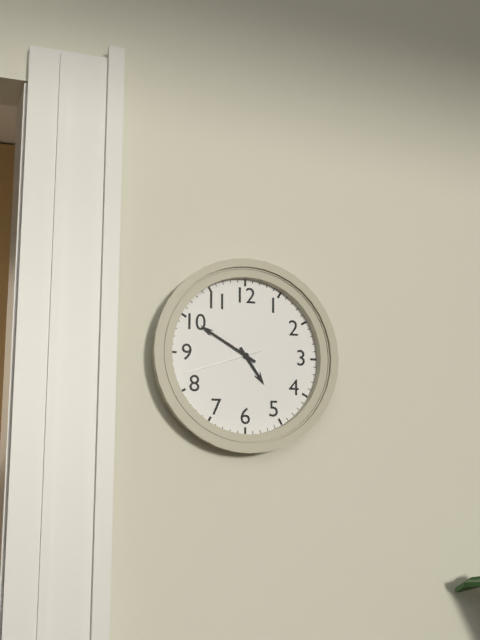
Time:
{"hour": 4, "minute": 50, "second": 42}
